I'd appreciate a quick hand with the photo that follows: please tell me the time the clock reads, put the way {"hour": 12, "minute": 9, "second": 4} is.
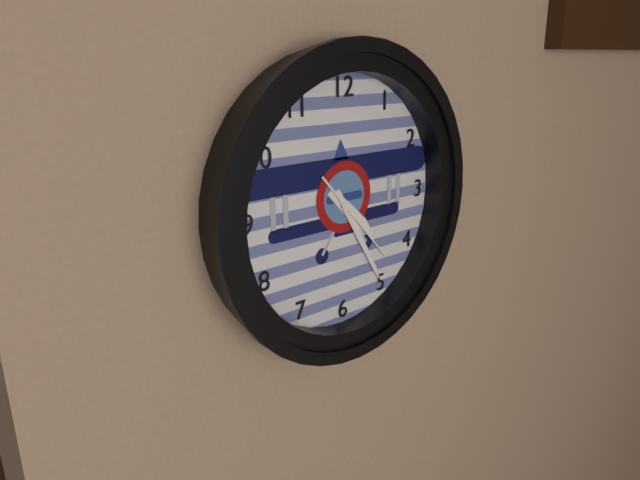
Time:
{"hour": 4, "minute": 25, "second": 23}
